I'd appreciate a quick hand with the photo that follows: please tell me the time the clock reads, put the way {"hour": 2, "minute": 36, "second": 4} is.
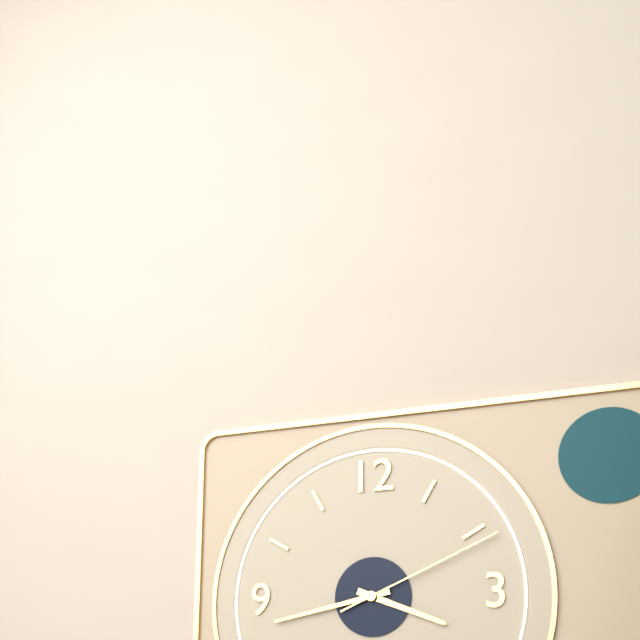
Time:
{"hour": 3, "minute": 43, "second": 11}
